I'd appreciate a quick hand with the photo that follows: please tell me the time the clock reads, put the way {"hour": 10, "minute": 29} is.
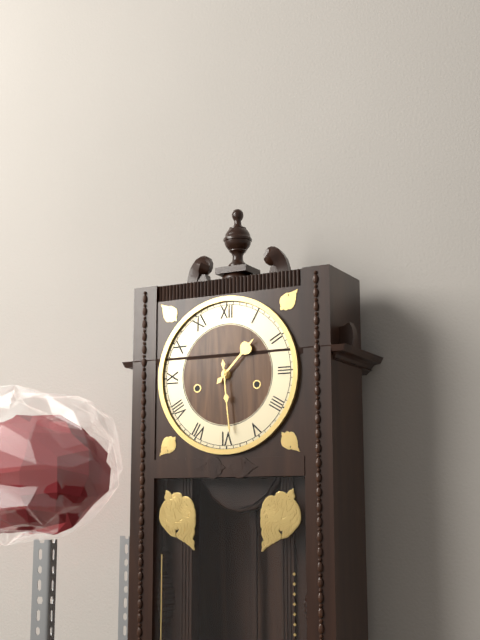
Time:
{"hour": 1, "minute": 29}
